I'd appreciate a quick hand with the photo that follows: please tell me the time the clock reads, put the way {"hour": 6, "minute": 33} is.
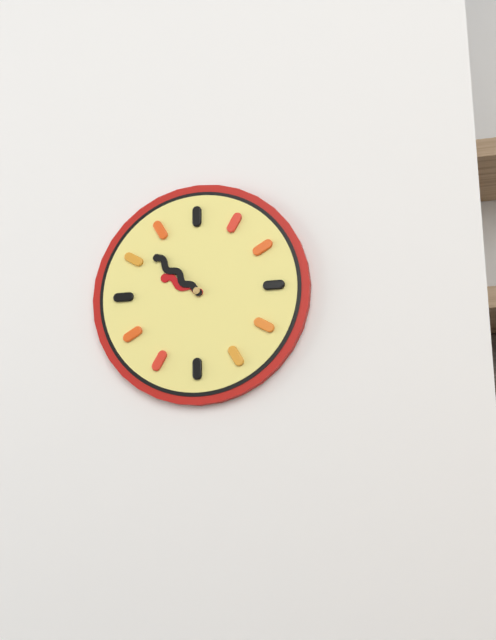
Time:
{"hour": 9, "minute": 52}
